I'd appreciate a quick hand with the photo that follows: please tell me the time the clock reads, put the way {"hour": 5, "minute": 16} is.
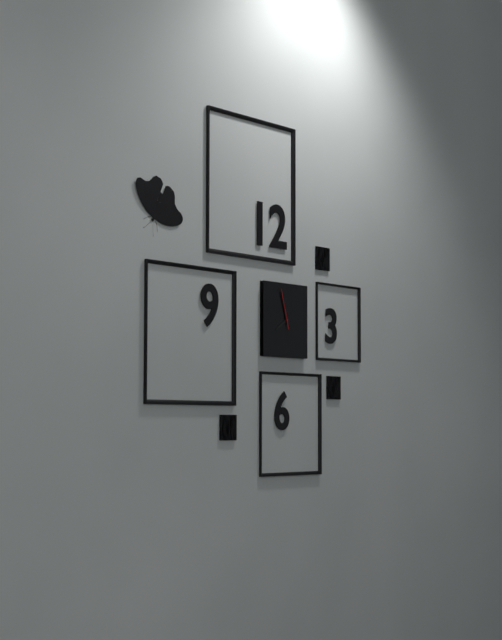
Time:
{"hour": 7, "minute": 57}
